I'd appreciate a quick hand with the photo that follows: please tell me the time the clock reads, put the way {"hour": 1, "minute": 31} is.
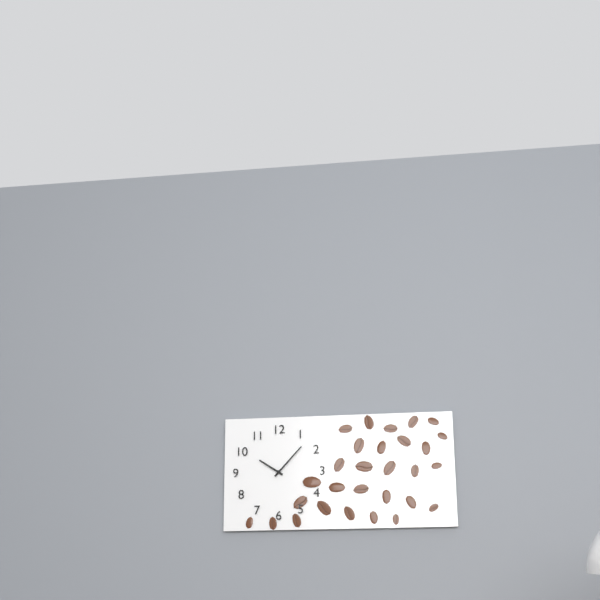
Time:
{"hour": 10, "minute": 7}
